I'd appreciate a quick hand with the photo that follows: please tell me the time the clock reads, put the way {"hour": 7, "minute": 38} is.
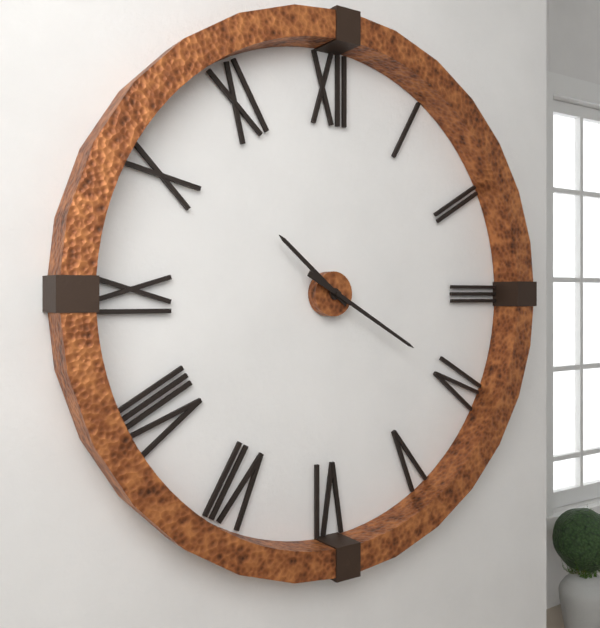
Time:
{"hour": 10, "minute": 20}
